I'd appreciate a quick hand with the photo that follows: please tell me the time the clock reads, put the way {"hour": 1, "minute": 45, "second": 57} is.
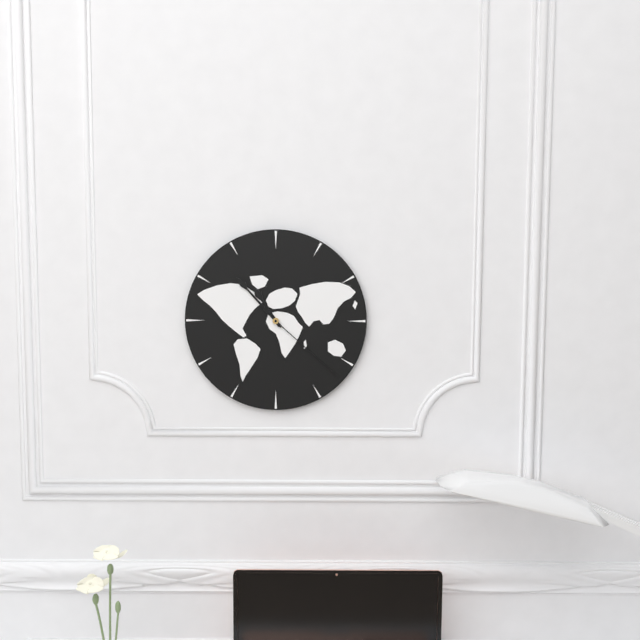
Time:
{"hour": 10, "minute": 53, "second": 22}
